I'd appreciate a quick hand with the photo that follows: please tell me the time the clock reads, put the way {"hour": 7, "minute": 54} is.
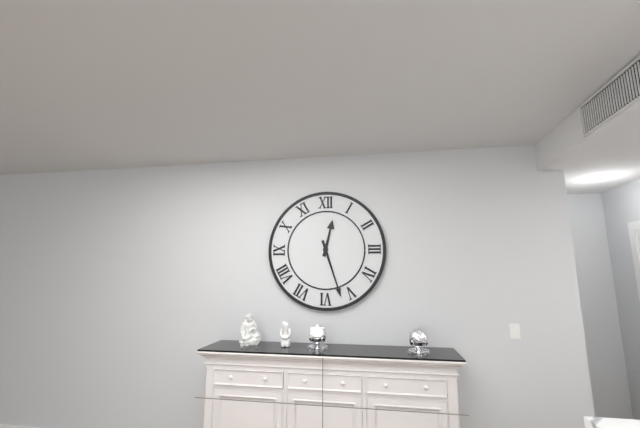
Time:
{"hour": 12, "minute": 27}
